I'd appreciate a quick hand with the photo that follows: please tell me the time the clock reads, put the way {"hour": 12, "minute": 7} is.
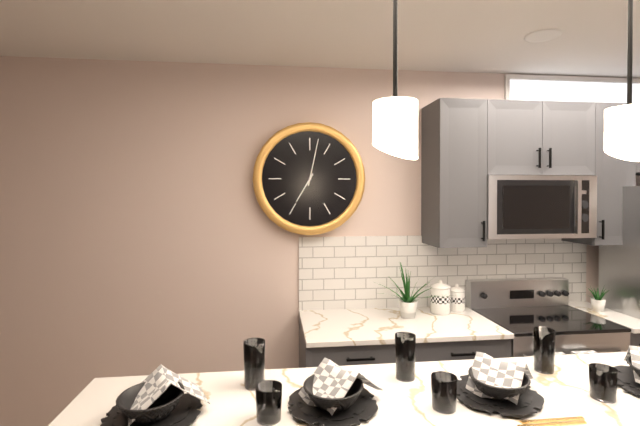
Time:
{"hour": 7, "minute": 2}
